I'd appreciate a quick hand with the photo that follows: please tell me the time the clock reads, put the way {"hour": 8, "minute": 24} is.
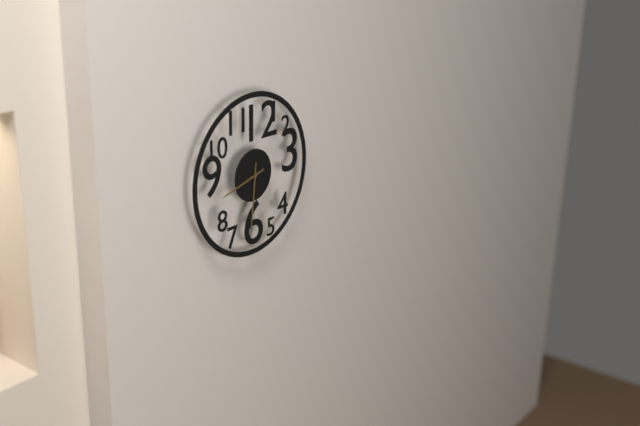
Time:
{"hour": 8, "minute": 31}
